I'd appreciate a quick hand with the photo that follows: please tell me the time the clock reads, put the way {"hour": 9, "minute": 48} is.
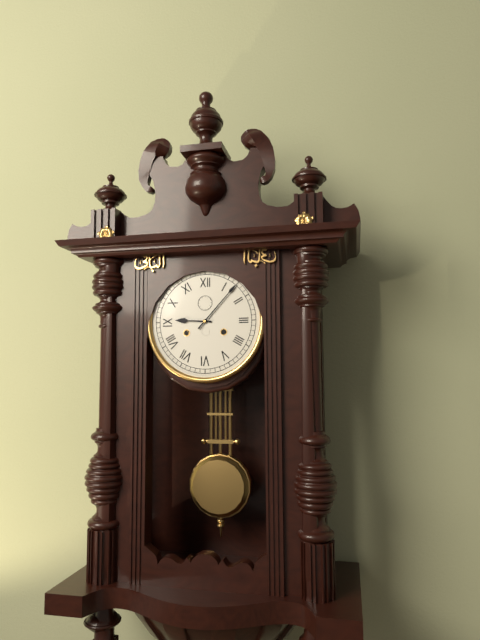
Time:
{"hour": 9, "minute": 7}
